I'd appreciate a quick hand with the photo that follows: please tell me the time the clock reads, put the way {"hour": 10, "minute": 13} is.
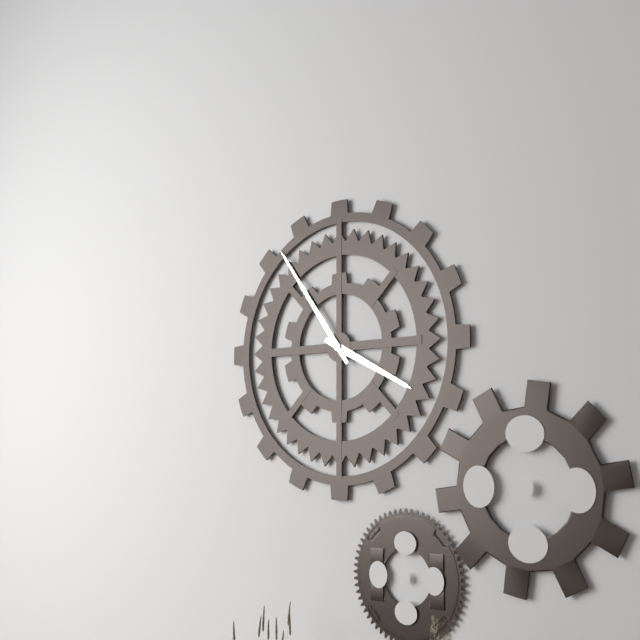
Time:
{"hour": 3, "minute": 54}
